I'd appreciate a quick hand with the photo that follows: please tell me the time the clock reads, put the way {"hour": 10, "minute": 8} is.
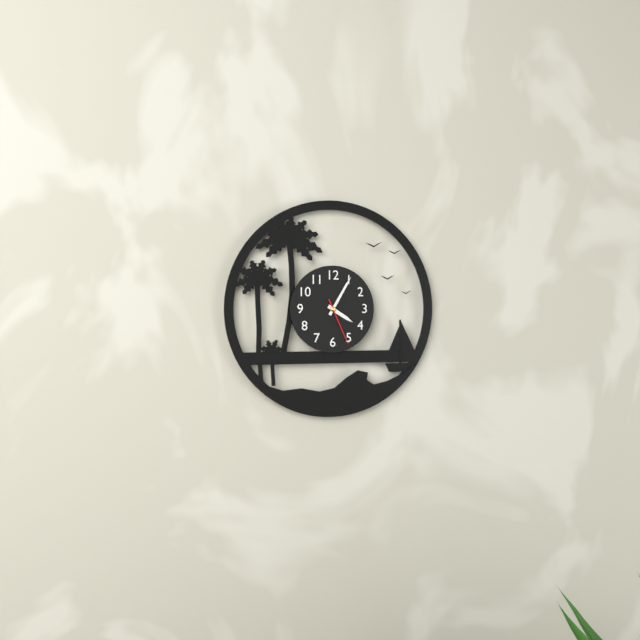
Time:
{"hour": 4, "minute": 5}
